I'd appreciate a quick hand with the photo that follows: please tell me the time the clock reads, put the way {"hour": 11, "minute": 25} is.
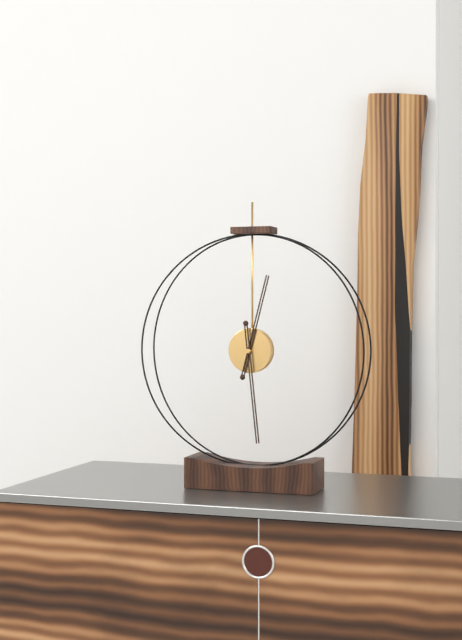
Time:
{"hour": 12, "minute": 29}
